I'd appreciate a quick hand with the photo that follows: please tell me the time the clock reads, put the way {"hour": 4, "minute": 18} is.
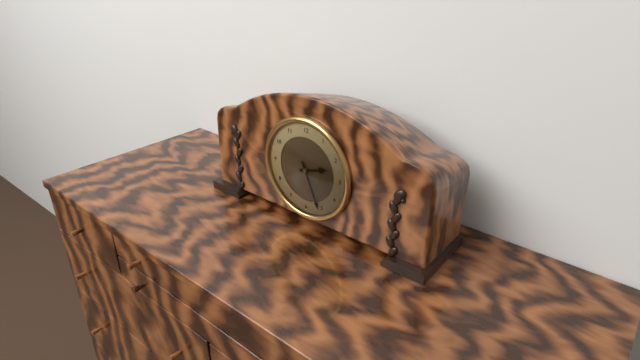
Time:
{"hour": 2, "minute": 26}
